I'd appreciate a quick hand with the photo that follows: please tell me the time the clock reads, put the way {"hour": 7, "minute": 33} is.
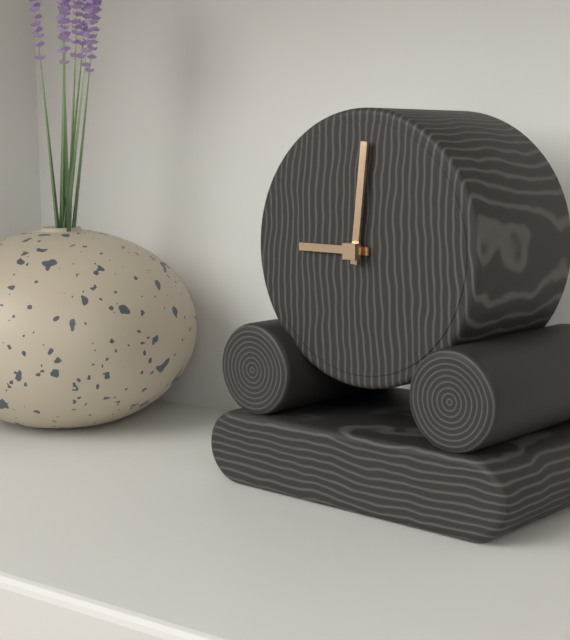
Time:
{"hour": 9, "minute": 1}
